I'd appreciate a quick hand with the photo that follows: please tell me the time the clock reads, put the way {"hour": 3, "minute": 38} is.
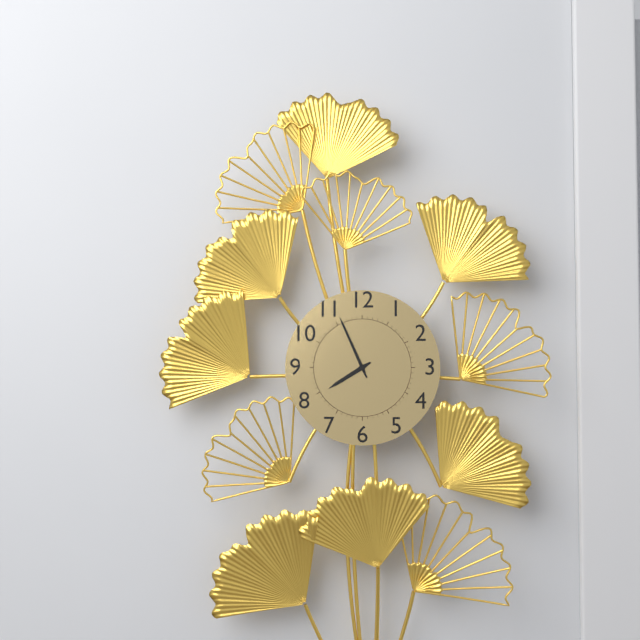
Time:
{"hour": 7, "minute": 56}
